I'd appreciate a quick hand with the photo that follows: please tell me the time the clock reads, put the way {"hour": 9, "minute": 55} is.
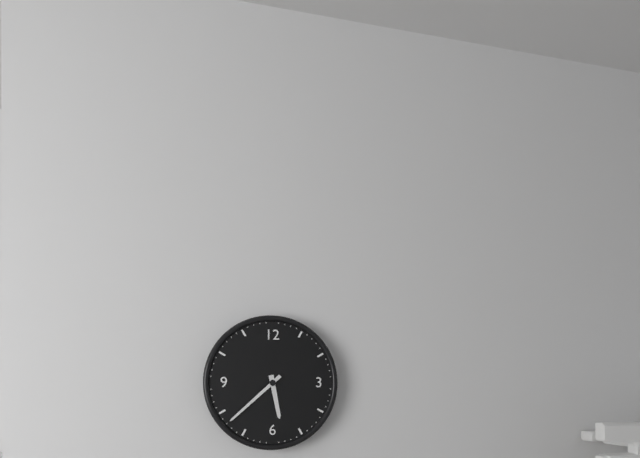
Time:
{"hour": 5, "minute": 38}
